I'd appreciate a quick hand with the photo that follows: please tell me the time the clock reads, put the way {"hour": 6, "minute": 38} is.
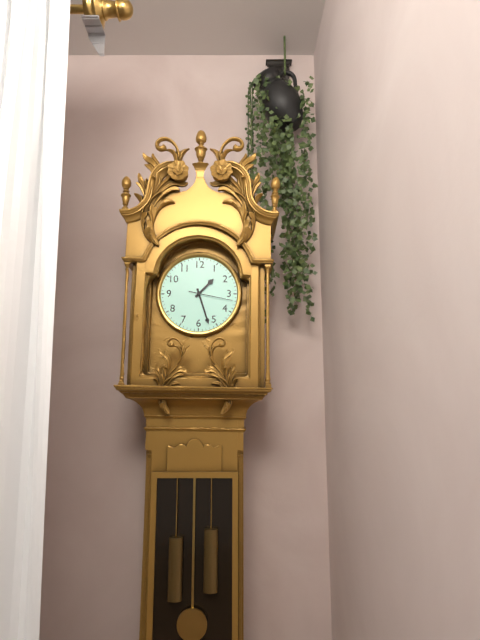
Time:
{"hour": 1, "minute": 27}
